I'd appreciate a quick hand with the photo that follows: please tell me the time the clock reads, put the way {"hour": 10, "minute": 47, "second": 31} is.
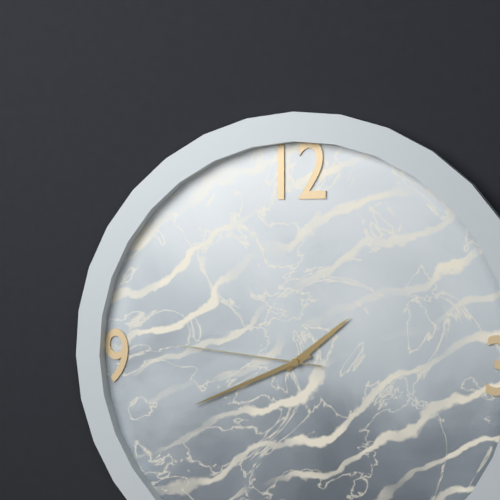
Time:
{"hour": 1, "minute": 41, "second": 46}
